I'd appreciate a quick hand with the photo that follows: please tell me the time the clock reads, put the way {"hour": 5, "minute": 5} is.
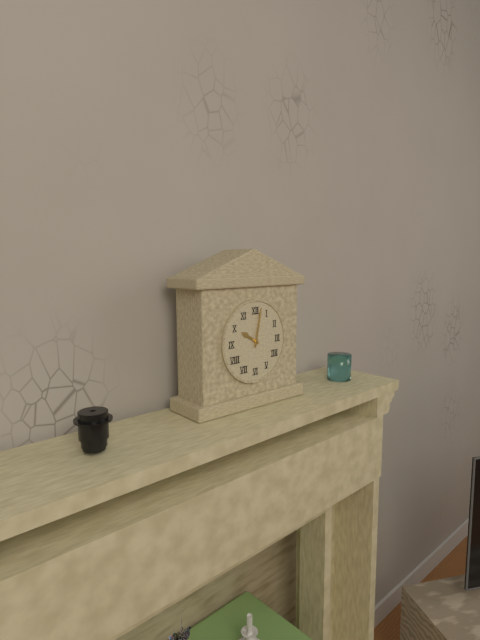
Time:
{"hour": 10, "minute": 2}
